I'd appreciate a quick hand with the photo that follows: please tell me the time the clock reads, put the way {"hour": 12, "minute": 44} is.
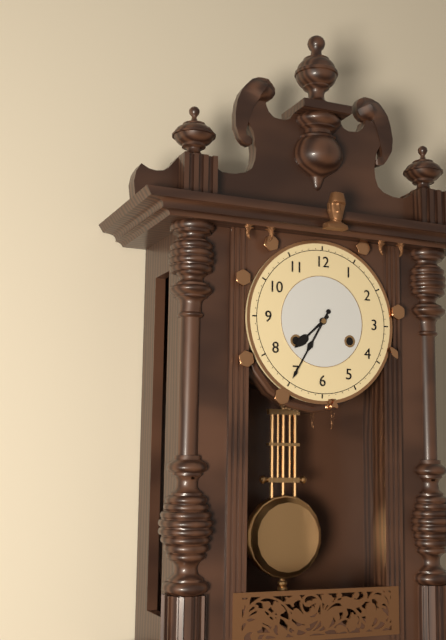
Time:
{"hour": 7, "minute": 35}
